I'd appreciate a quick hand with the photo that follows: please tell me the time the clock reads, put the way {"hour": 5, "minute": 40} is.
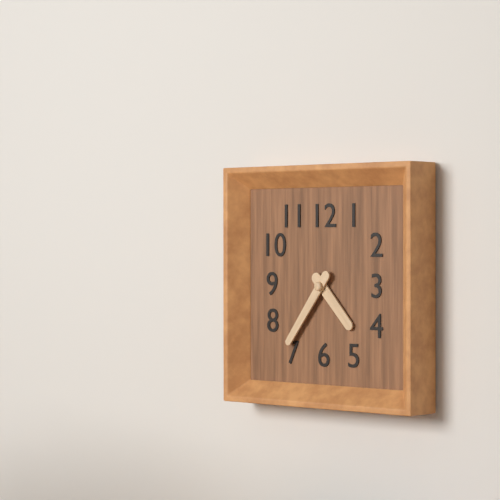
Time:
{"hour": 4, "minute": 36}
